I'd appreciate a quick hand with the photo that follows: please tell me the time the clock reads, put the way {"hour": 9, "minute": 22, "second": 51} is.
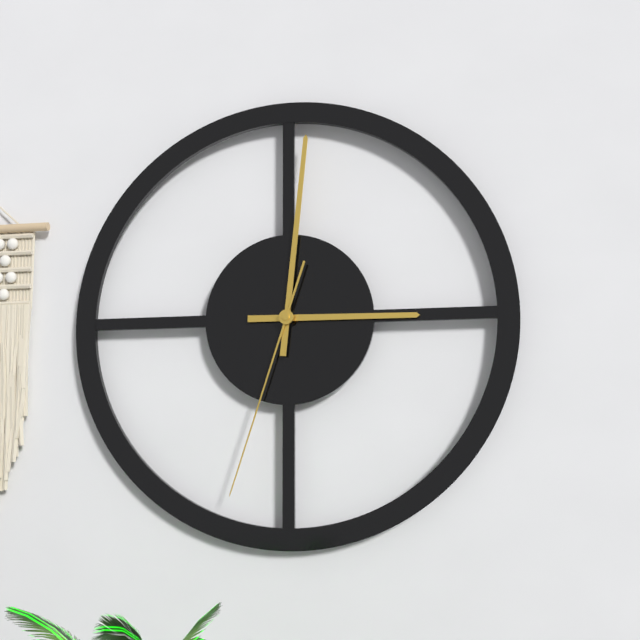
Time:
{"hour": 3, "minute": 1, "second": 33}
